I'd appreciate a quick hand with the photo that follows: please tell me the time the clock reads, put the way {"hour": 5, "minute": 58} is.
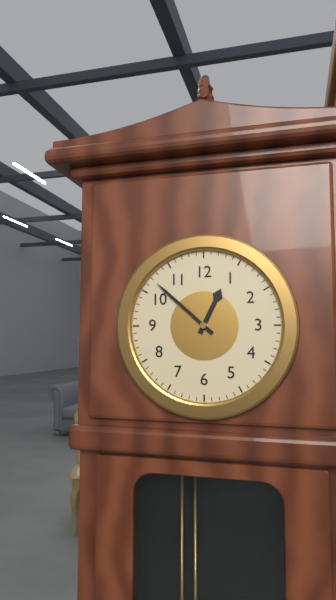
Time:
{"hour": 12, "minute": 52}
